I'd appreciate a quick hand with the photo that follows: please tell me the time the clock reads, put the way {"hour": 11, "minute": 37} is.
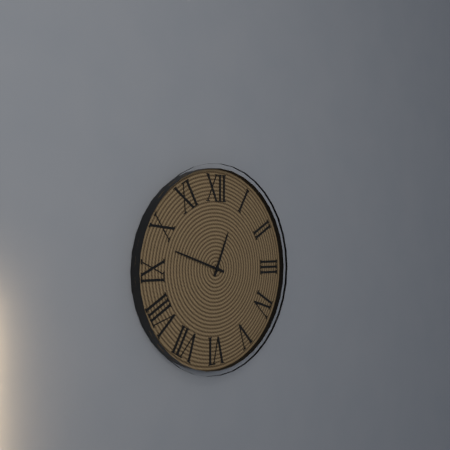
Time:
{"hour": 12, "minute": 48}
